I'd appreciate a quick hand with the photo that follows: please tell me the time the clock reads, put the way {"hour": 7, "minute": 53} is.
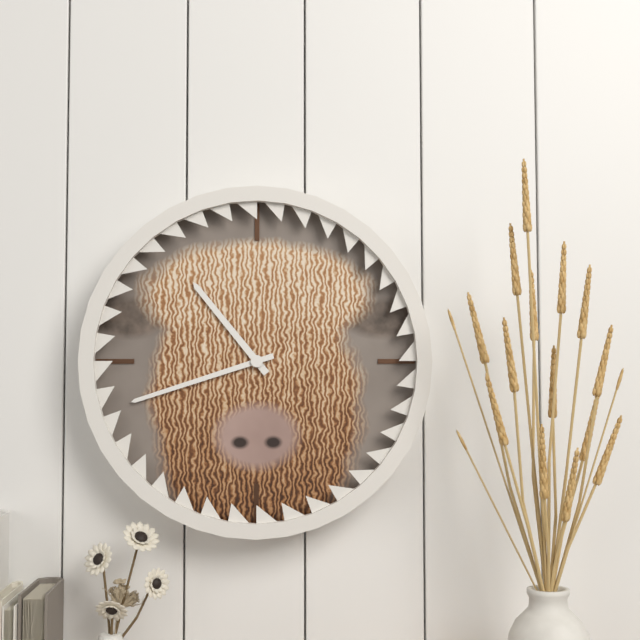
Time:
{"hour": 10, "minute": 42}
